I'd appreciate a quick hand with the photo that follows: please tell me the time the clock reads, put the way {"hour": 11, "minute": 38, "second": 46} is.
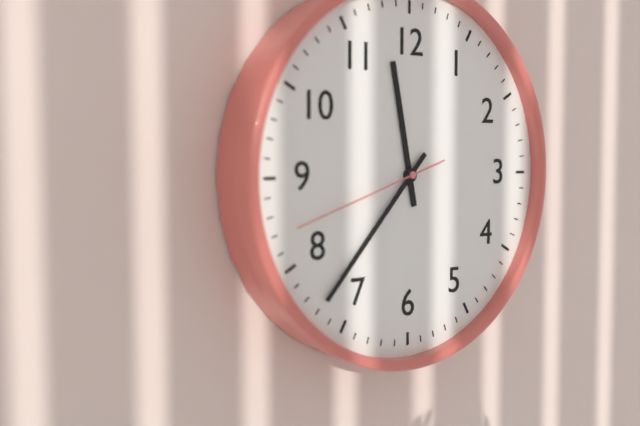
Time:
{"hour": 11, "minute": 37, "second": 42}
